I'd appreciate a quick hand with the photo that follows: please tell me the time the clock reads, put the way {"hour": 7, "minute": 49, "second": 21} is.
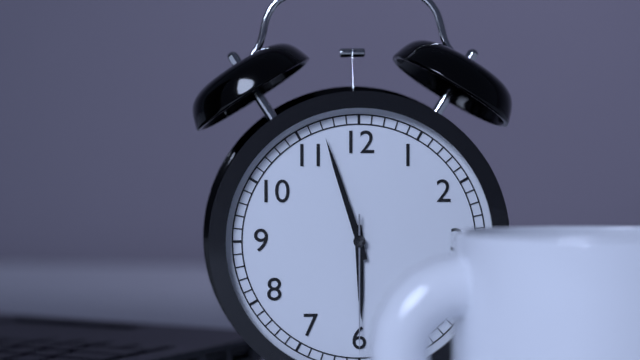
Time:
{"hour": 5, "minute": 57, "second": 30}
